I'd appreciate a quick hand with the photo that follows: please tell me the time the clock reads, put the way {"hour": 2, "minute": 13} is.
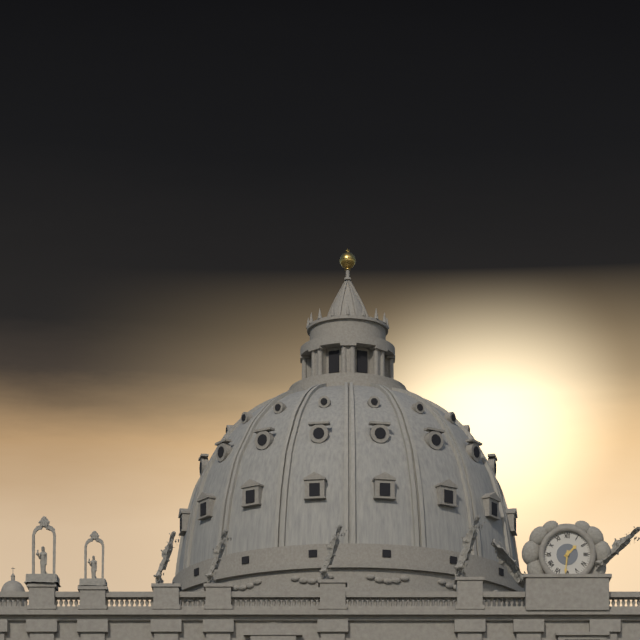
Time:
{"hour": 1, "minute": 31}
